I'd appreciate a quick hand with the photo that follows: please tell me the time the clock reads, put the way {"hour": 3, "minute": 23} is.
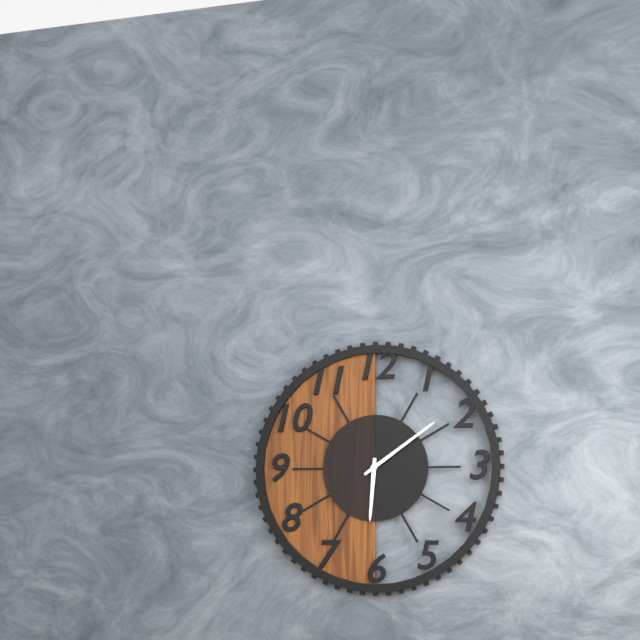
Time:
{"hour": 6, "minute": 9}
